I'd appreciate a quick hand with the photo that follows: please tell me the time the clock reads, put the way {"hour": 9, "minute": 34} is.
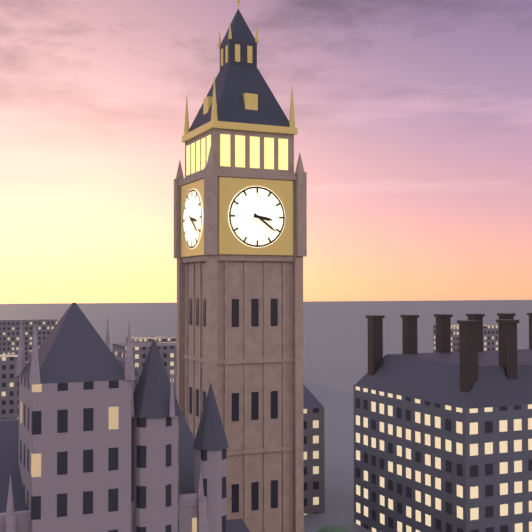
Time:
{"hour": 3, "minute": 21}
